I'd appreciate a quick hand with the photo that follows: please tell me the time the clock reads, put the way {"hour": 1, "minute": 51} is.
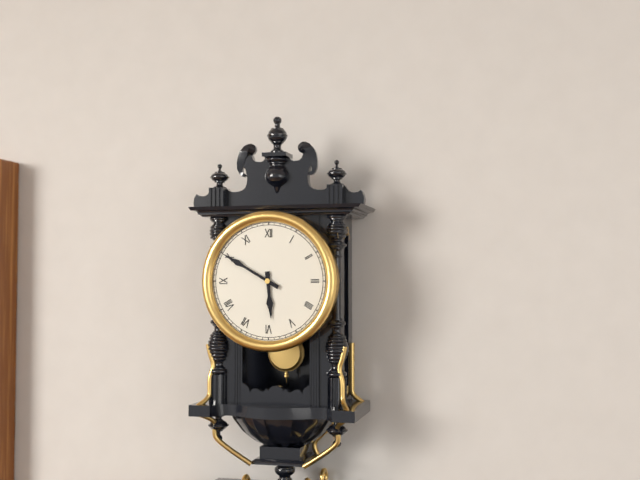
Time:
{"hour": 5, "minute": 50}
